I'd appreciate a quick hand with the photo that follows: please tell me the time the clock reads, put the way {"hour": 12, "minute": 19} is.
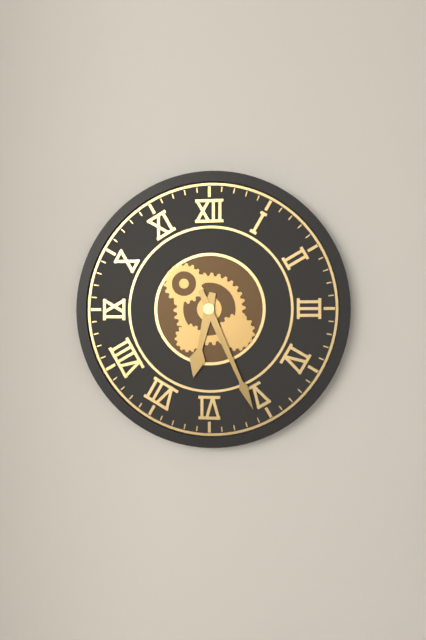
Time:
{"hour": 6, "minute": 26}
